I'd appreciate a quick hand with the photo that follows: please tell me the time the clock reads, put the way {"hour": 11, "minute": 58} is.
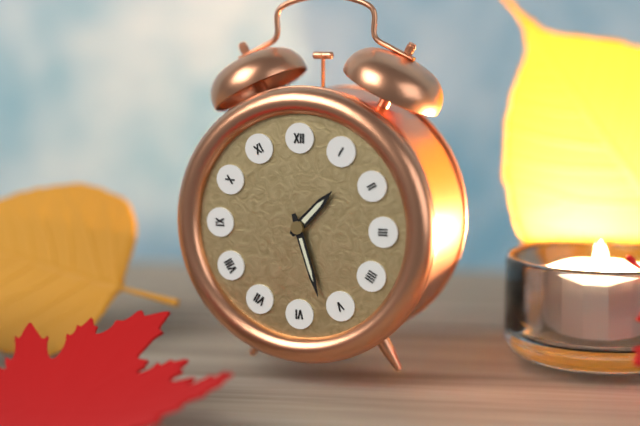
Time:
{"hour": 1, "minute": 27}
